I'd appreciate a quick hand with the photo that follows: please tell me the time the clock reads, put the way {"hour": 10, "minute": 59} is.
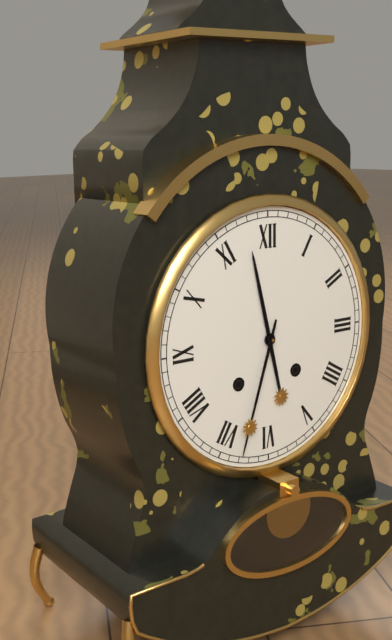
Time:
{"hour": 11, "minute": 33}
